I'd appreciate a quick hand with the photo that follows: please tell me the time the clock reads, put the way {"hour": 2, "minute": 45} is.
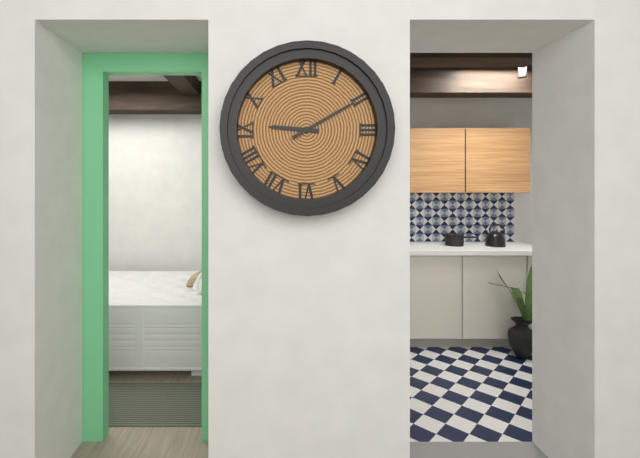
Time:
{"hour": 9, "minute": 10}
